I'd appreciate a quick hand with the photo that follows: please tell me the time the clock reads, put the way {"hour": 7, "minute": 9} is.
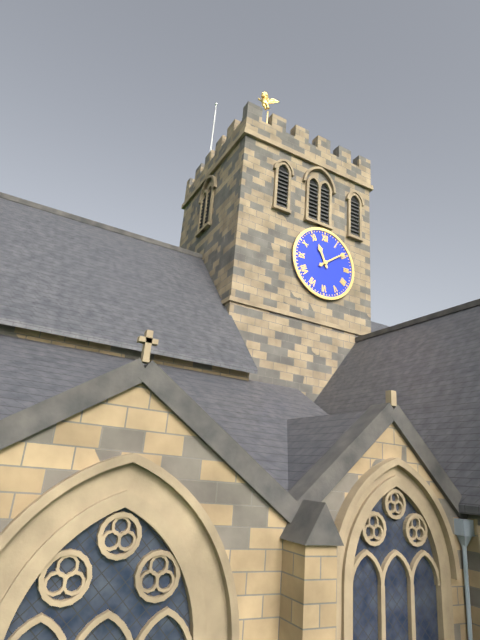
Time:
{"hour": 11, "minute": 9}
